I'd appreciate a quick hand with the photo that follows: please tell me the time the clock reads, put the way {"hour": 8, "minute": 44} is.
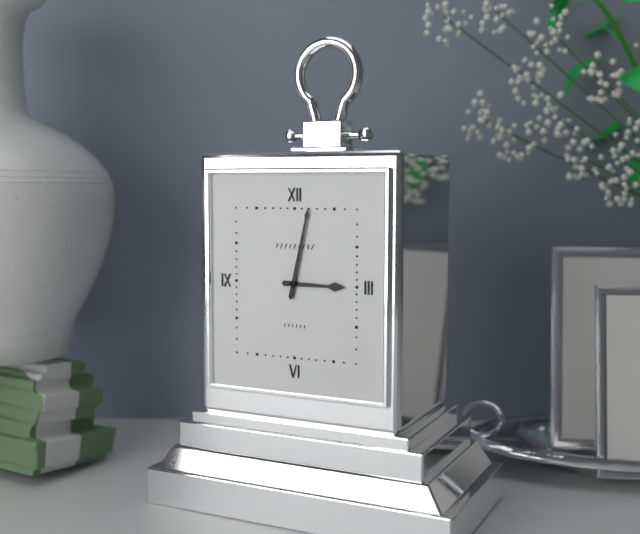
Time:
{"hour": 3, "minute": 2}
